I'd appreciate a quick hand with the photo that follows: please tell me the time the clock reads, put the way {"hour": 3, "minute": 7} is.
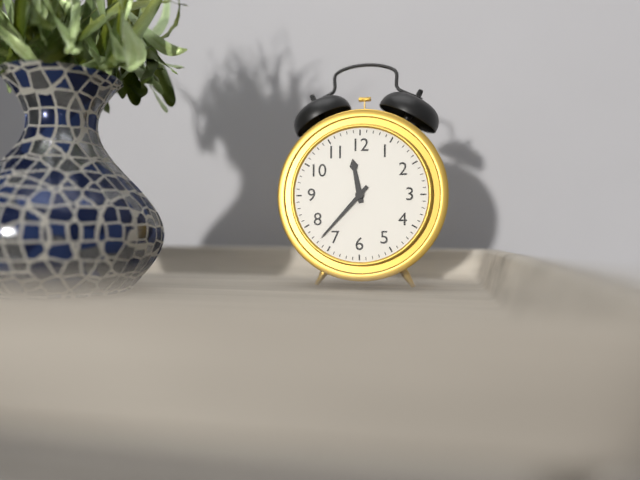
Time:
{"hour": 11, "minute": 37}
